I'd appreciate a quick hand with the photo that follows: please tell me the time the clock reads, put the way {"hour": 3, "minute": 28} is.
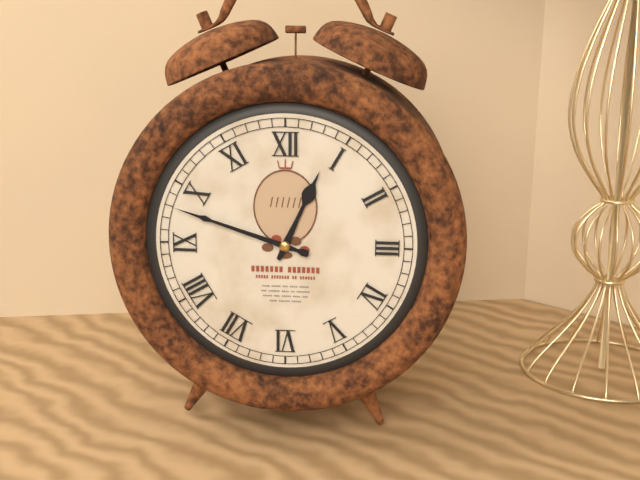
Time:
{"hour": 12, "minute": 48}
